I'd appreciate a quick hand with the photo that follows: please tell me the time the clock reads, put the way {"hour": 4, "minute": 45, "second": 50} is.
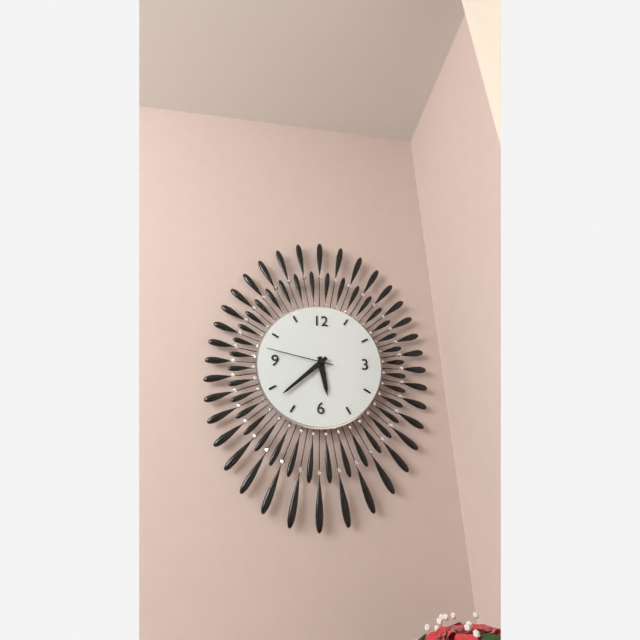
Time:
{"hour": 5, "minute": 38, "second": 47}
